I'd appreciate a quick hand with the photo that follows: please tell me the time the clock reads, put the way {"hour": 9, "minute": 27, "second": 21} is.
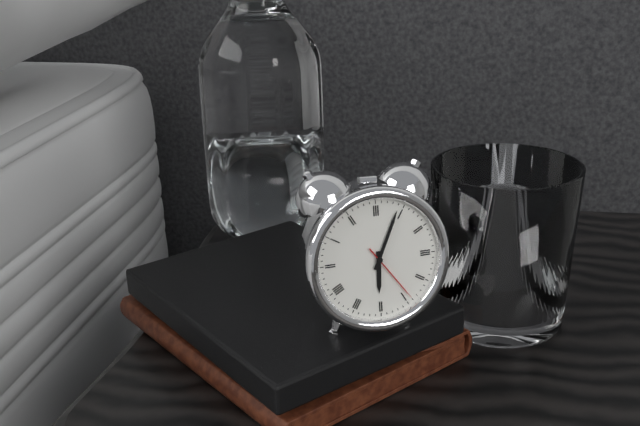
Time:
{"hour": 6, "minute": 4, "second": 24}
